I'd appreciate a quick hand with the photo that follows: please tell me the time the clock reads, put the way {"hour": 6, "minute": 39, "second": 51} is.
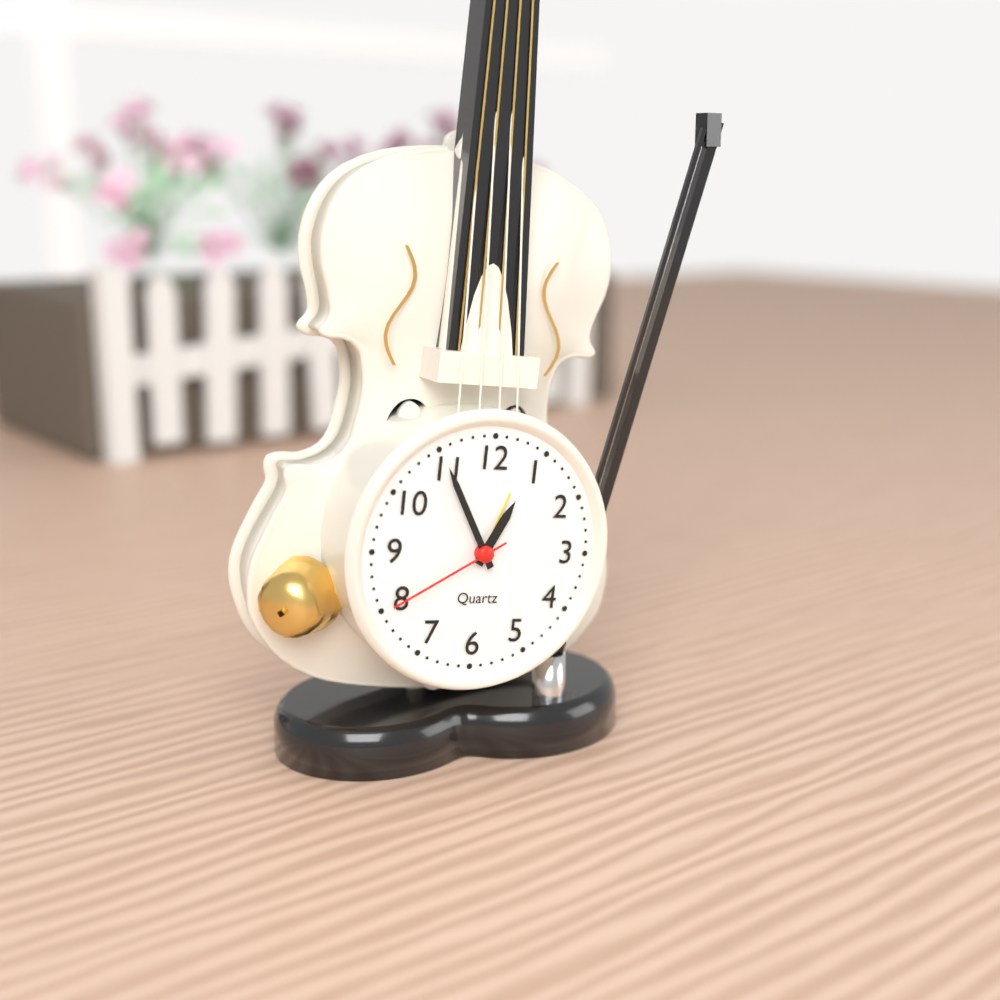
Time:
{"hour": 12, "minute": 55, "second": 40}
